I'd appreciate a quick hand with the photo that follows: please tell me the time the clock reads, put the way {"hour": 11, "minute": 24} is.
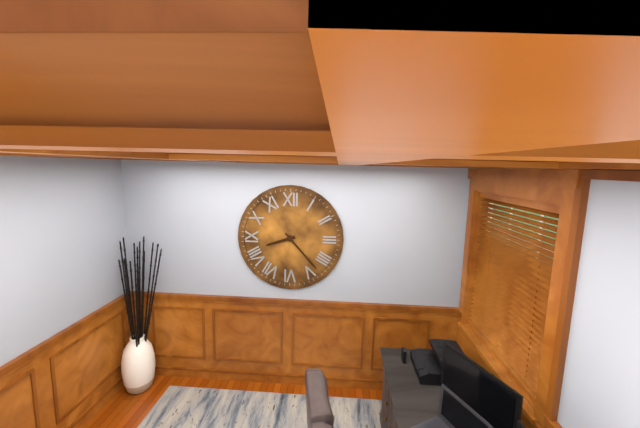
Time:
{"hour": 8, "minute": 23}
